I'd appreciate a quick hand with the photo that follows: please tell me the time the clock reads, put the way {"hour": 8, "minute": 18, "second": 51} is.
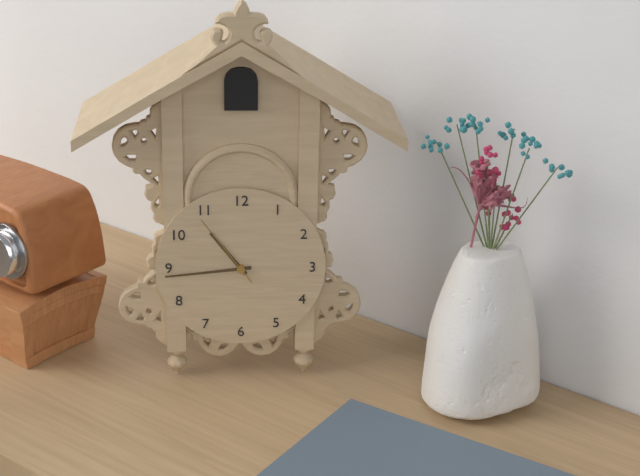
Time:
{"hour": 10, "minute": 44, "second": 54}
